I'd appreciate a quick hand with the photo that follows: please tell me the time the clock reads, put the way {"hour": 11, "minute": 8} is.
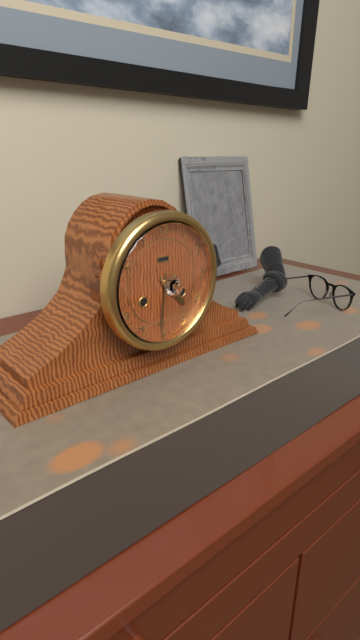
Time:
{"hour": 4, "minute": 31}
